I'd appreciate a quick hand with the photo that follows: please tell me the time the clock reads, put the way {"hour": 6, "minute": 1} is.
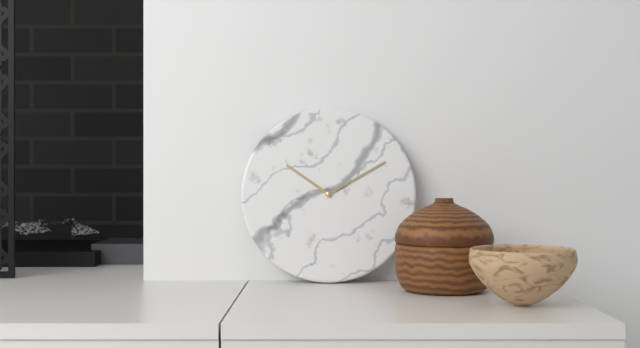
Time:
{"hour": 10, "minute": 10}
